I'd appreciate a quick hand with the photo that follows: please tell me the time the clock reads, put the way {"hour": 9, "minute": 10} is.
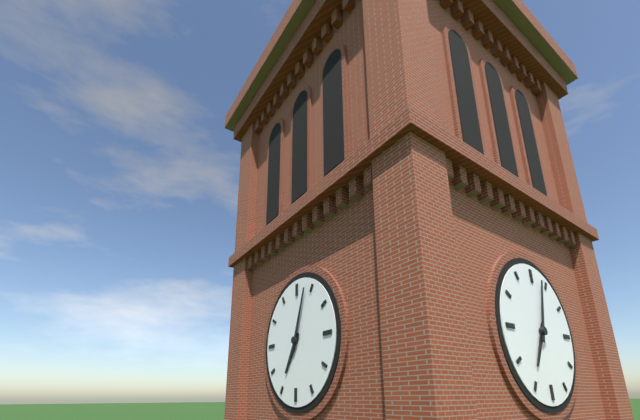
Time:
{"hour": 7, "minute": 3}
